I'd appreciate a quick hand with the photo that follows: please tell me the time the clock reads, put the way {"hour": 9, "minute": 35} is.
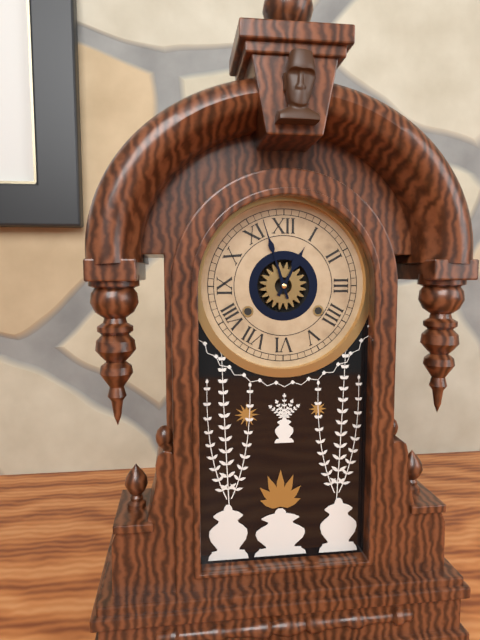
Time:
{"hour": 12, "minute": 57}
